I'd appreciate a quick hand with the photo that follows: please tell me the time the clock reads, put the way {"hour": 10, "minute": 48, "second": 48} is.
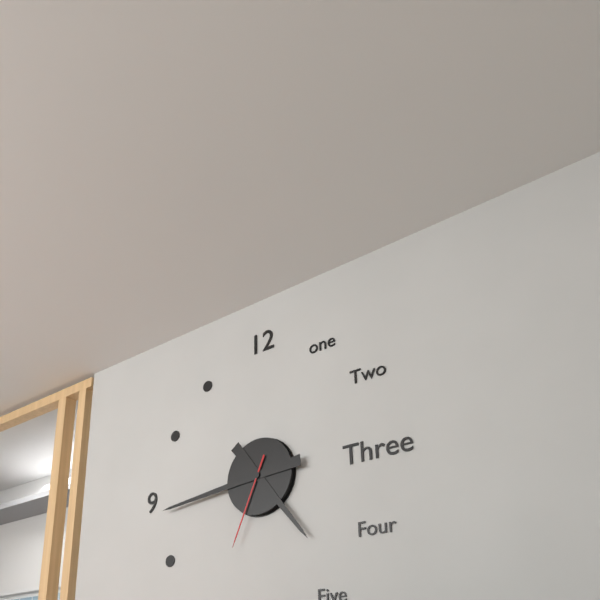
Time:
{"hour": 4, "minute": 44, "second": 34}
